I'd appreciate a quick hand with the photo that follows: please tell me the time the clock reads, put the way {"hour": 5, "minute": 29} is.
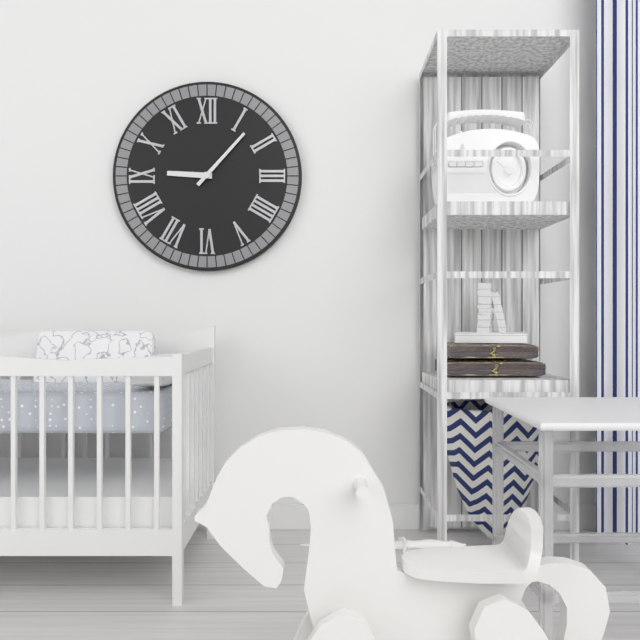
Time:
{"hour": 9, "minute": 7}
